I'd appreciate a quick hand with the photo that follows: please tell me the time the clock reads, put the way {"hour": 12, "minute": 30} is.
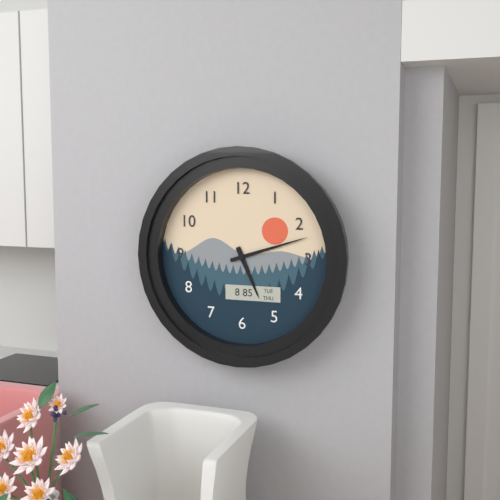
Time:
{"hour": 5, "minute": 12}
